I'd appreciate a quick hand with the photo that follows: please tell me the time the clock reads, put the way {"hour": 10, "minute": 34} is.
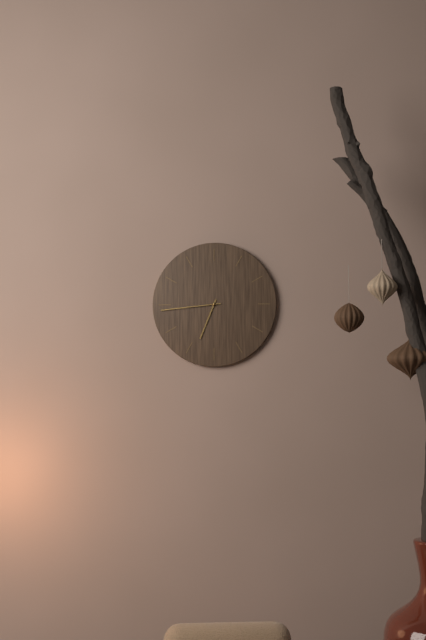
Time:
{"hour": 6, "minute": 44}
